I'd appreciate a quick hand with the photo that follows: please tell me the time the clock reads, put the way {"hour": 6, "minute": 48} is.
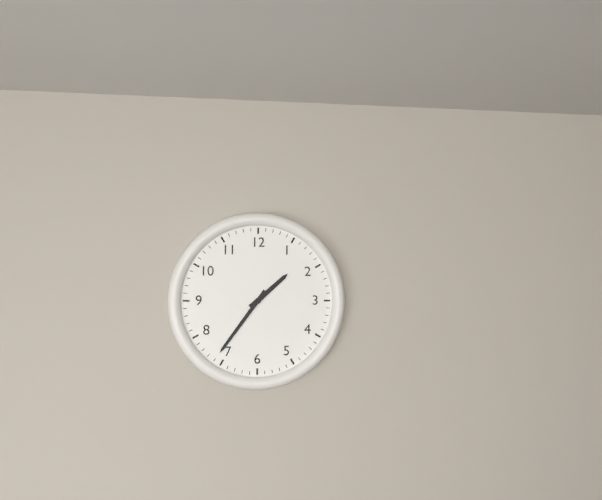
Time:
{"hour": 1, "minute": 36}
